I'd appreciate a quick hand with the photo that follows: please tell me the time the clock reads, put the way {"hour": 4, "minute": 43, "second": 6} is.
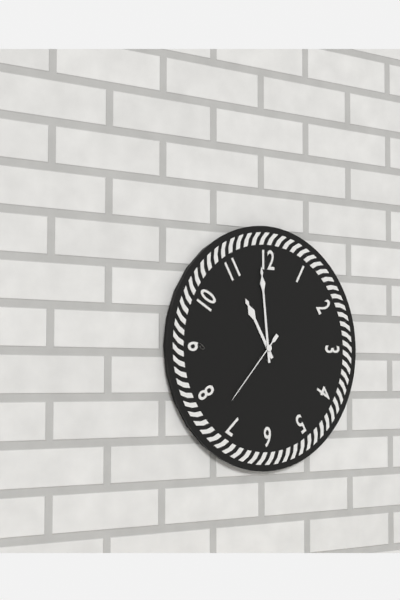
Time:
{"hour": 10, "minute": 59, "second": 37}
